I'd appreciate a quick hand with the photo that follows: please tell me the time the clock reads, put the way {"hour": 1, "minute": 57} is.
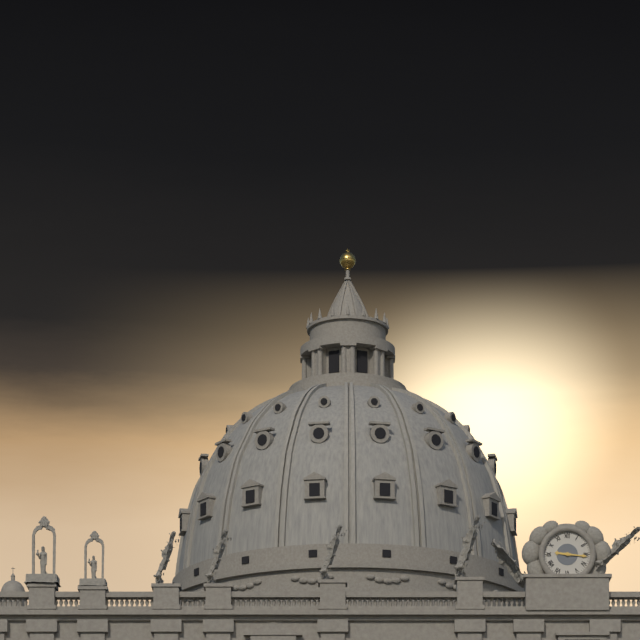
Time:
{"hour": 9, "minute": 16}
